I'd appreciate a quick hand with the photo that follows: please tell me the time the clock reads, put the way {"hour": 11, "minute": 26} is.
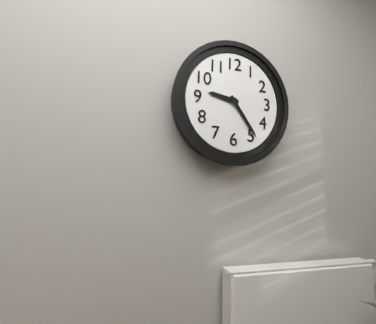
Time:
{"hour": 9, "minute": 24}
